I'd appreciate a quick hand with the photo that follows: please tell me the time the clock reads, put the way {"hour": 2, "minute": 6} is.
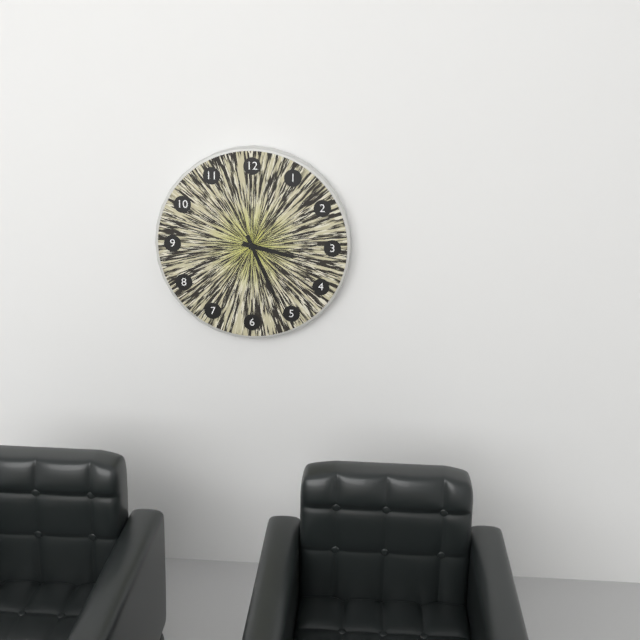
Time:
{"hour": 3, "minute": 26}
